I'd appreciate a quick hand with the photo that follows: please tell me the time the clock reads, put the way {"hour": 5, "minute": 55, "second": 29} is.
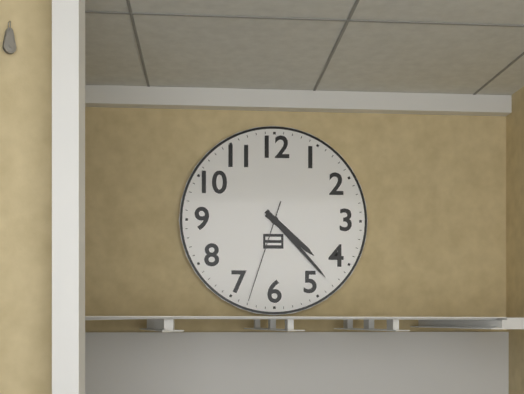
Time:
{"hour": 4, "minute": 23, "second": 33}
